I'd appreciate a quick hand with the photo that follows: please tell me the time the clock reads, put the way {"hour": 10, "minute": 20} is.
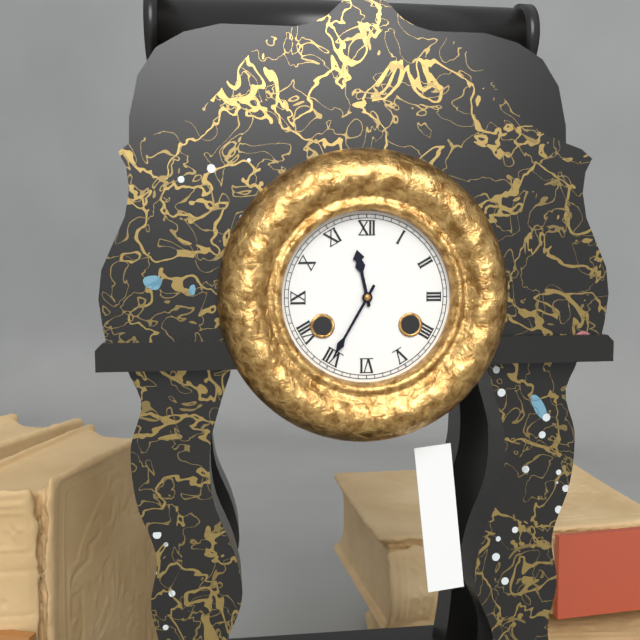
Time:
{"hour": 11, "minute": 35}
